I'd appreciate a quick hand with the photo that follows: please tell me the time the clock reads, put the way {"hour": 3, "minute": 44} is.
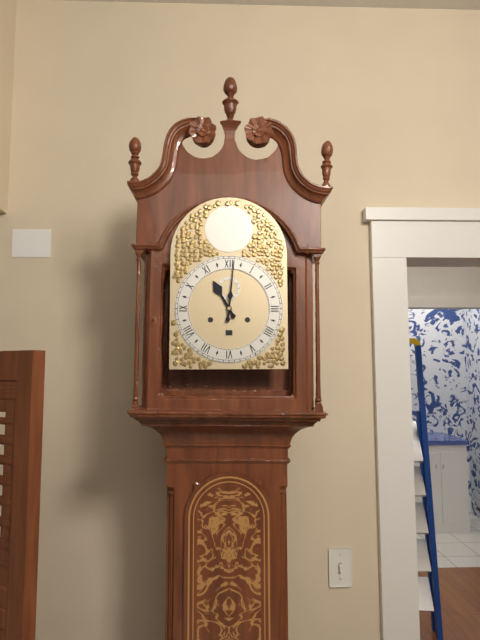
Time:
{"hour": 11, "minute": 1}
